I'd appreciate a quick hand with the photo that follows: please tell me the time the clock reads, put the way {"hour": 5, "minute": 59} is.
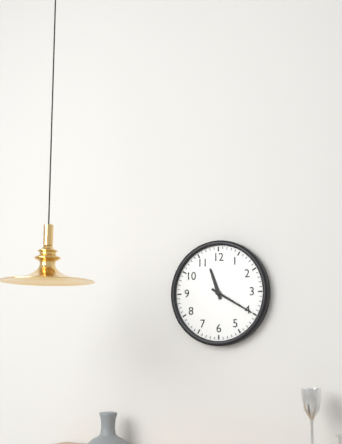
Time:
{"hour": 11, "minute": 20}
